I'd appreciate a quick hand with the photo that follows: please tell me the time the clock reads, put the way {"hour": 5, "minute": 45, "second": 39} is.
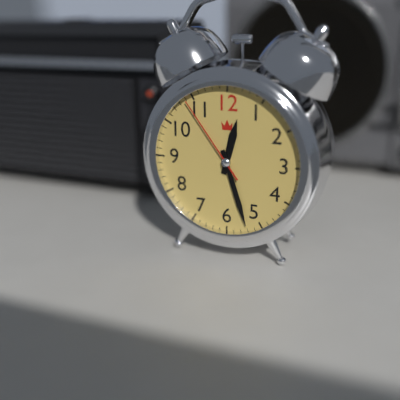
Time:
{"hour": 12, "minute": 27, "second": 54}
